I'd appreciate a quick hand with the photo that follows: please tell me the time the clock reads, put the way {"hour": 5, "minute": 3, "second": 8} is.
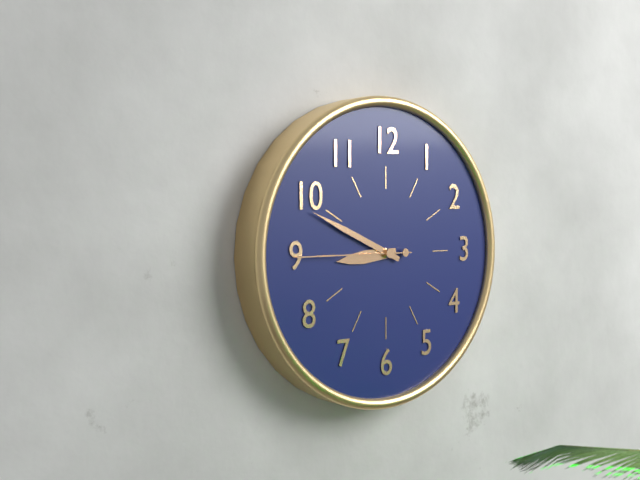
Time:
{"hour": 8, "minute": 49, "second": 45}
